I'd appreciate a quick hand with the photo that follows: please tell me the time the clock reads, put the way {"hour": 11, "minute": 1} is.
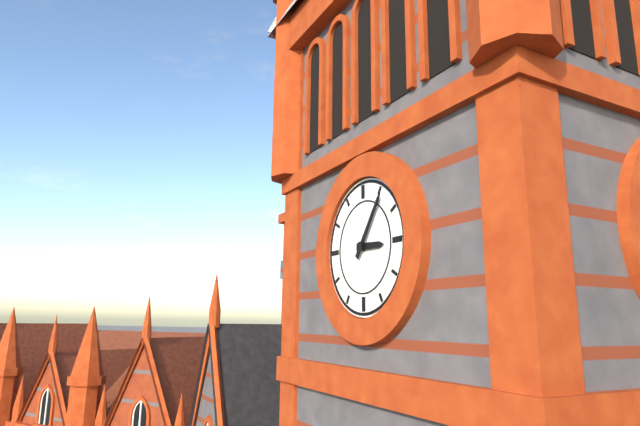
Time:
{"hour": 3, "minute": 6}
